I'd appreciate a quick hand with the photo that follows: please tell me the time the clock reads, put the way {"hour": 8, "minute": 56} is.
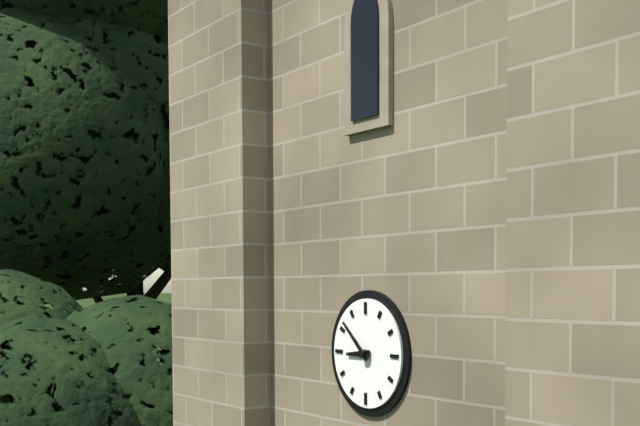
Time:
{"hour": 8, "minute": 52}
